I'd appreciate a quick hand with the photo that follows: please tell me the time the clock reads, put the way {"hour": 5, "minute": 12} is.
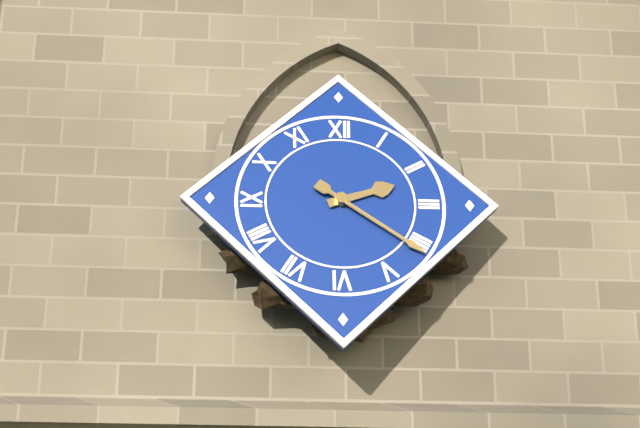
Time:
{"hour": 2, "minute": 21}
